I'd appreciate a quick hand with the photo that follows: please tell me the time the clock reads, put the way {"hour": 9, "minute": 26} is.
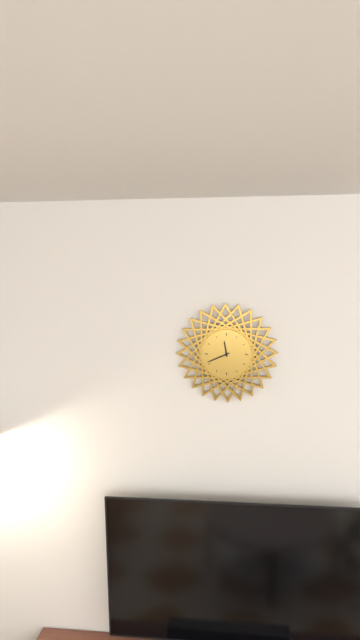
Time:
{"hour": 11, "minute": 41}
